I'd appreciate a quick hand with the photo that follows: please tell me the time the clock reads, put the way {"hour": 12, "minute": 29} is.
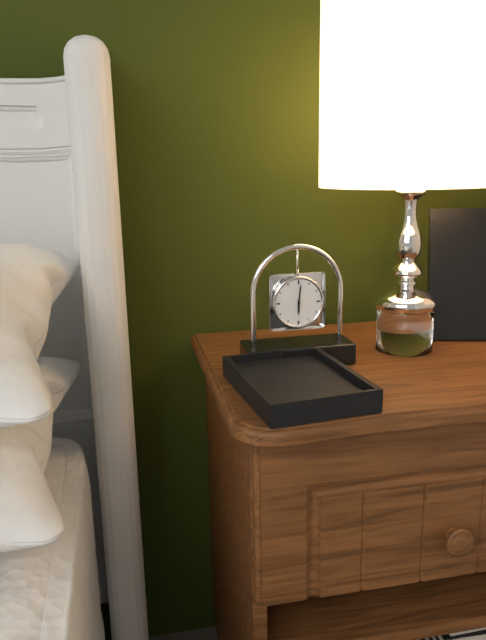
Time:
{"hour": 6, "minute": 1}
